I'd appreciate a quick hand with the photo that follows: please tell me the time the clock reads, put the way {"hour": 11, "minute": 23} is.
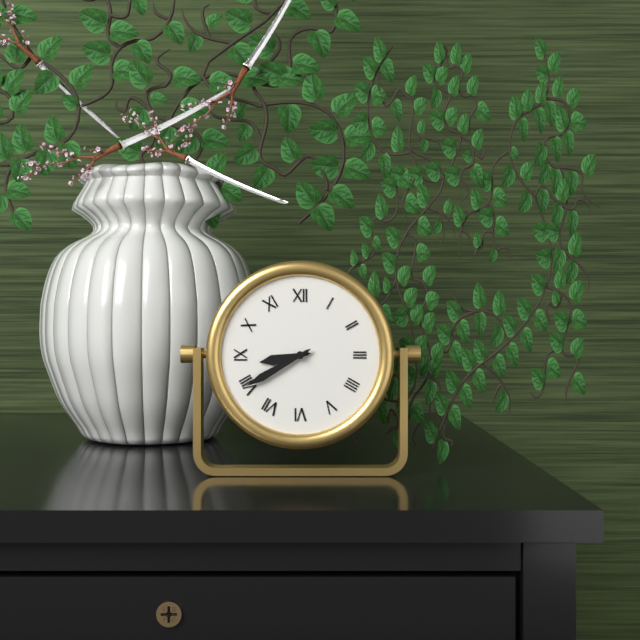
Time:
{"hour": 8, "minute": 40}
